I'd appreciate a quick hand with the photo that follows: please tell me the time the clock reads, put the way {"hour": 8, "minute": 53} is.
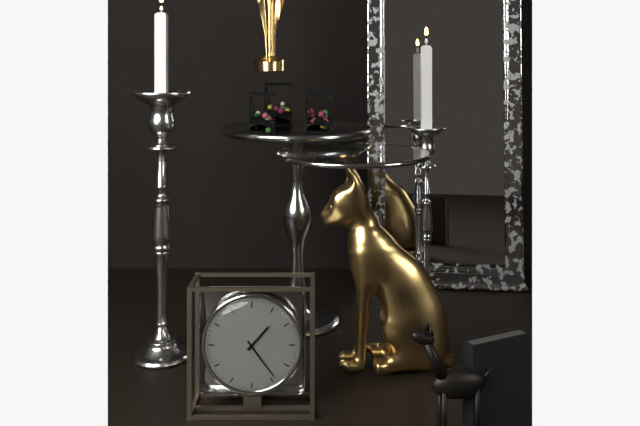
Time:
{"hour": 1, "minute": 24}
